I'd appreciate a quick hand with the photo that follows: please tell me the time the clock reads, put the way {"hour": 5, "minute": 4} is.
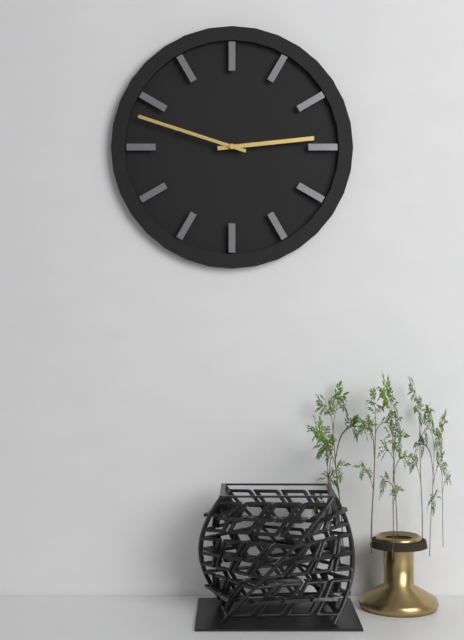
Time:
{"hour": 2, "minute": 48}
